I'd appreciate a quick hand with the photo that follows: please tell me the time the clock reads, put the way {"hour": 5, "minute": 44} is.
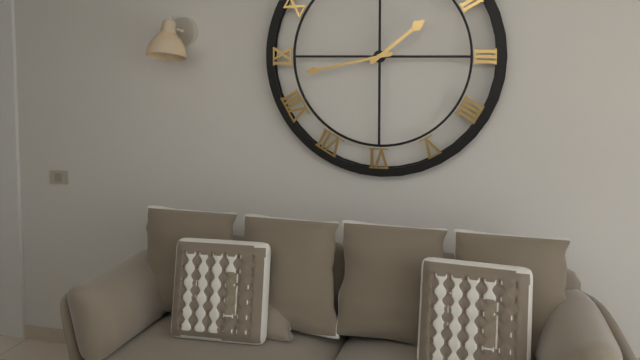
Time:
{"hour": 1, "minute": 43}
